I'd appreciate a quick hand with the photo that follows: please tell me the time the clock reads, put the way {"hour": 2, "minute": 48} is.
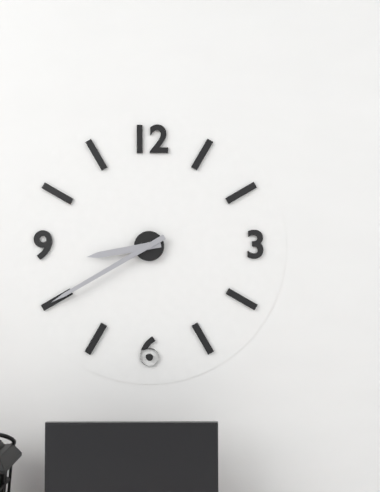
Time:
{"hour": 8, "minute": 40}
